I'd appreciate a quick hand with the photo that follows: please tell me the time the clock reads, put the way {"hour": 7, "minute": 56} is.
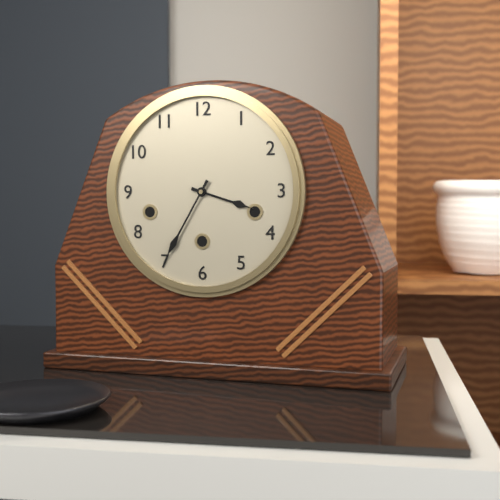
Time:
{"hour": 3, "minute": 35}
